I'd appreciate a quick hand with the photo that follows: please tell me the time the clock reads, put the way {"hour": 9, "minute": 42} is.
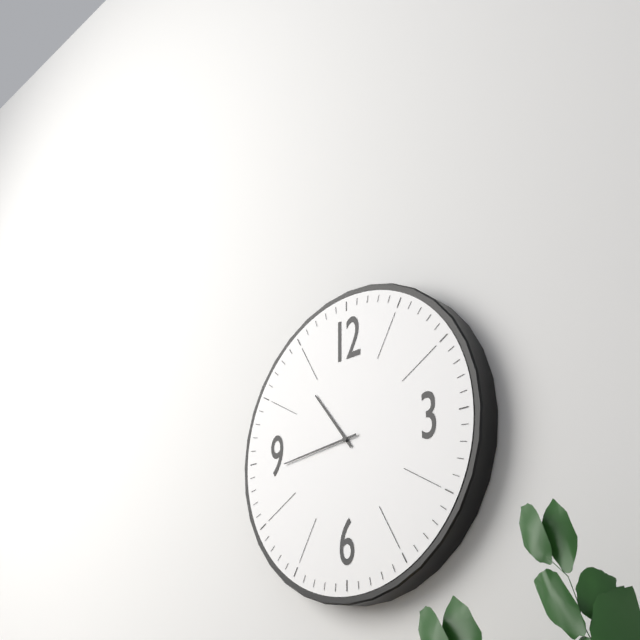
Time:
{"hour": 10, "minute": 44}
